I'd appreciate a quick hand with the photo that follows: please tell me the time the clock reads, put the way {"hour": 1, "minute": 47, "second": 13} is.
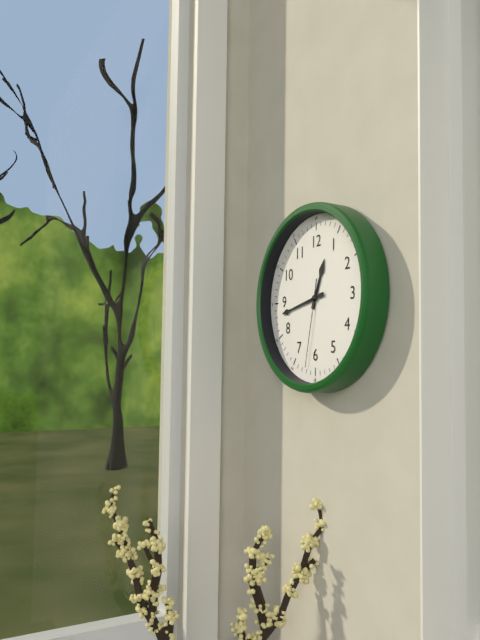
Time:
{"hour": 12, "minute": 43, "second": 32}
